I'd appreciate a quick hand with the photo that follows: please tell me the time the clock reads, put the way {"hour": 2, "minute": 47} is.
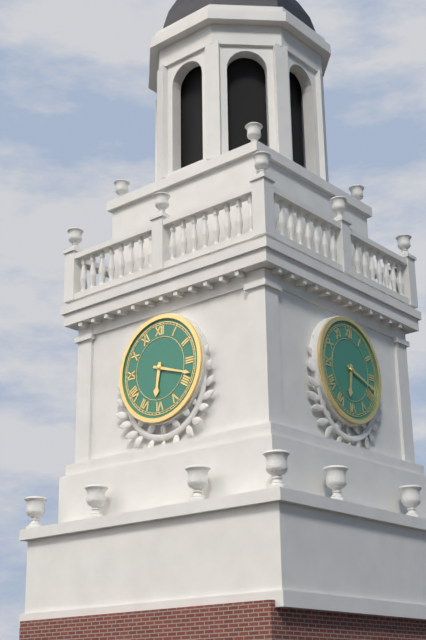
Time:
{"hour": 6, "minute": 18}
